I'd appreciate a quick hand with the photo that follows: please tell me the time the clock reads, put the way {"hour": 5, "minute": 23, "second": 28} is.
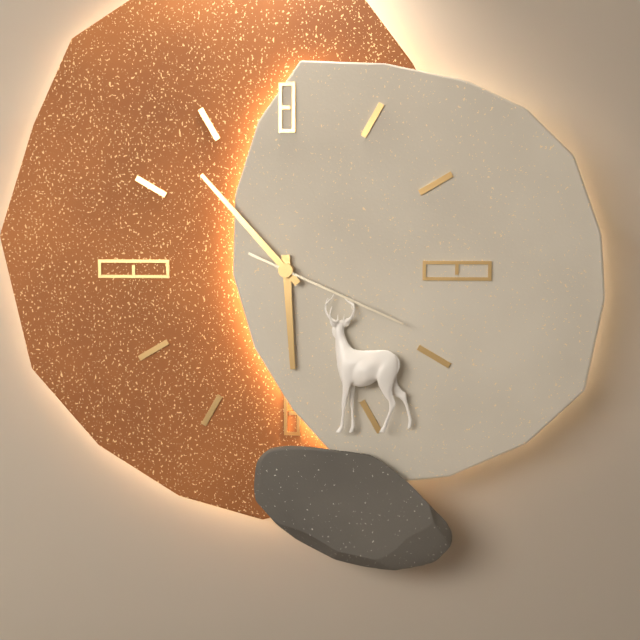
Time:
{"hour": 5, "minute": 53, "second": 19}
